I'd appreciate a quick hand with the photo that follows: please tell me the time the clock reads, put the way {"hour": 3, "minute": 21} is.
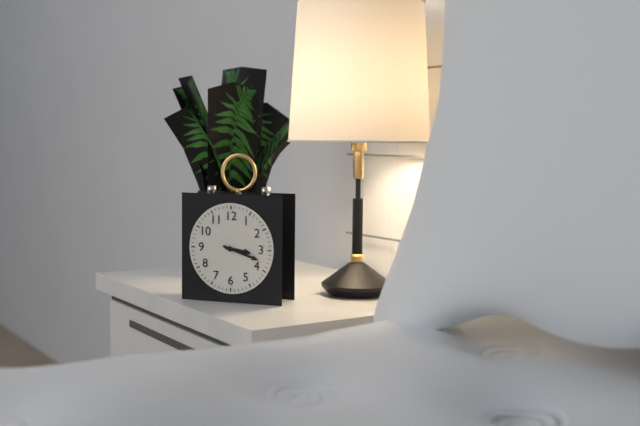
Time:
{"hour": 3, "minute": 18}
